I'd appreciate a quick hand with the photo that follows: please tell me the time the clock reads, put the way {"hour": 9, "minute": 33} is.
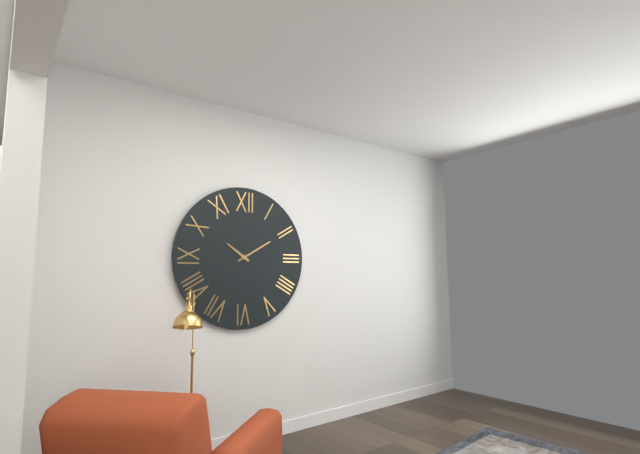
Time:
{"hour": 10, "minute": 10}
